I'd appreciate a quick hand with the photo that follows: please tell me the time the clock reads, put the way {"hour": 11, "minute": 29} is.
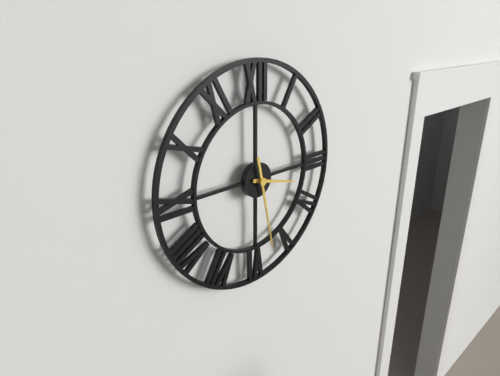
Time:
{"hour": 3, "minute": 28}
